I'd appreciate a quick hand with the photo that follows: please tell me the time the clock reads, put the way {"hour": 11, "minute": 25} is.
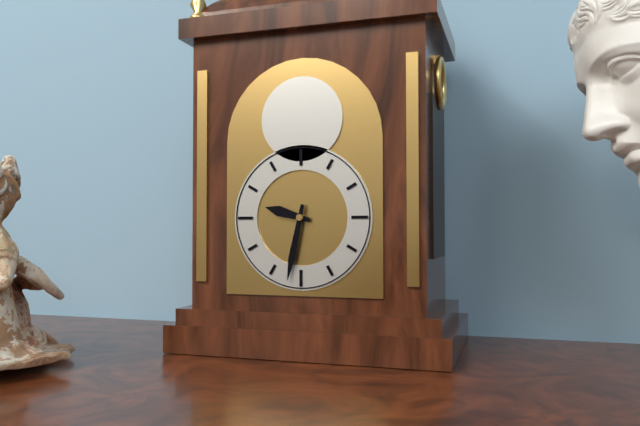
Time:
{"hour": 9, "minute": 32}
